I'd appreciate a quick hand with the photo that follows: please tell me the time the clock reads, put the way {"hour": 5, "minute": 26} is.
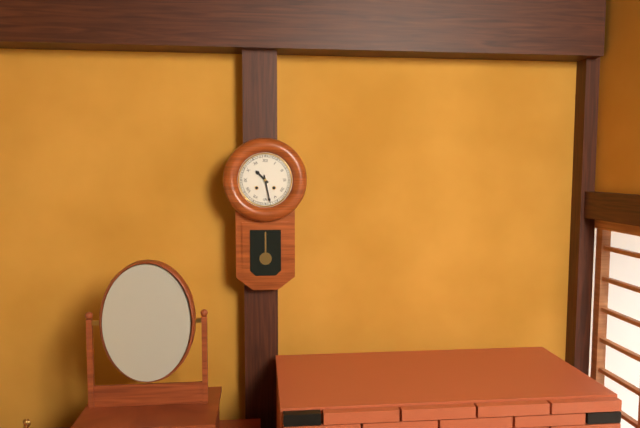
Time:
{"hour": 10, "minute": 28}
